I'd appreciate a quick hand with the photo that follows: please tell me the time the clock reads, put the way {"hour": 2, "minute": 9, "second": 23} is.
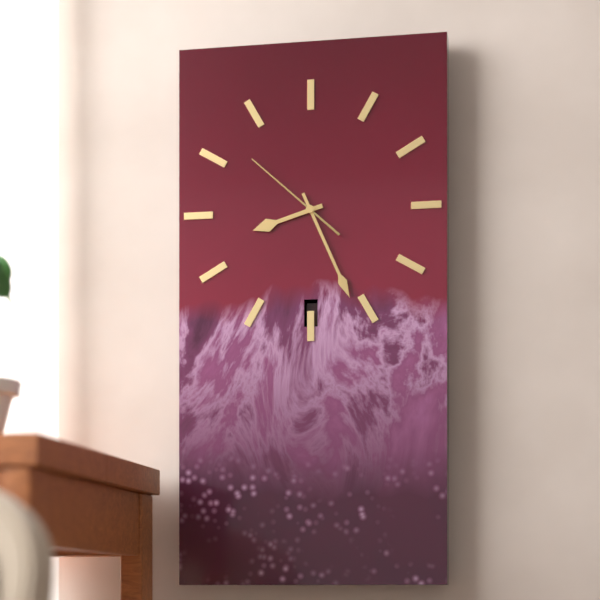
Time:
{"hour": 8, "minute": 26, "second": 52}
